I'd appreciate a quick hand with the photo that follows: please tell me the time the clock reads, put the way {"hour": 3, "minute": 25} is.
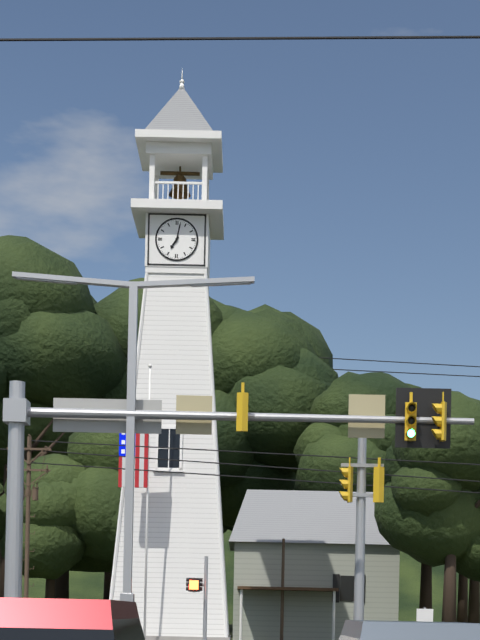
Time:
{"hour": 7, "minute": 2}
